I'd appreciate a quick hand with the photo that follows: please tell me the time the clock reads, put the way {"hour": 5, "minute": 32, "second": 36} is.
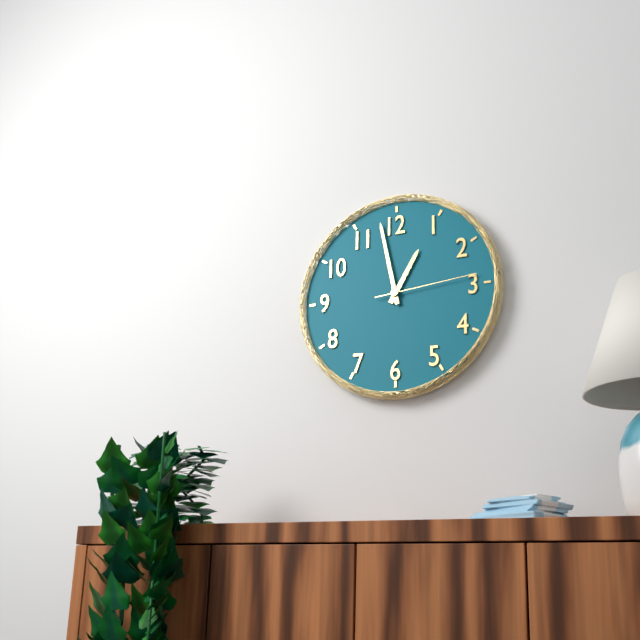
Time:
{"hour": 12, "minute": 58, "second": 14}
